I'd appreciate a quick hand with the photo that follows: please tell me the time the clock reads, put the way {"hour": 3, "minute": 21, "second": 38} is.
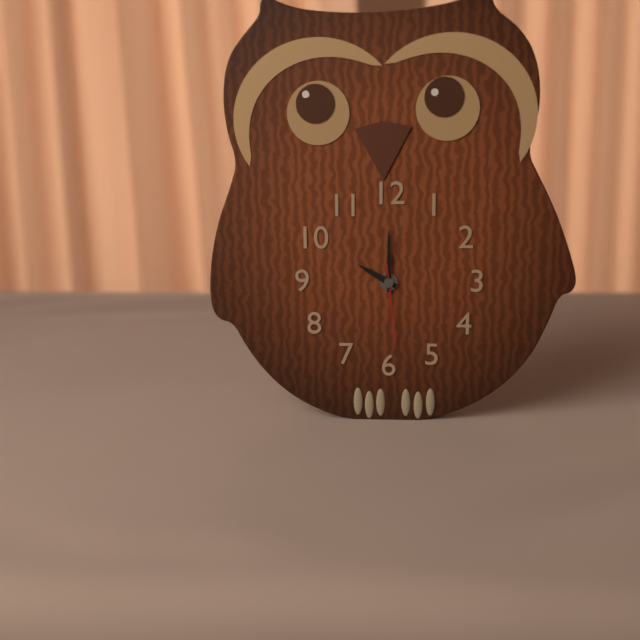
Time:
{"hour": 10, "minute": 0, "second": 29}
